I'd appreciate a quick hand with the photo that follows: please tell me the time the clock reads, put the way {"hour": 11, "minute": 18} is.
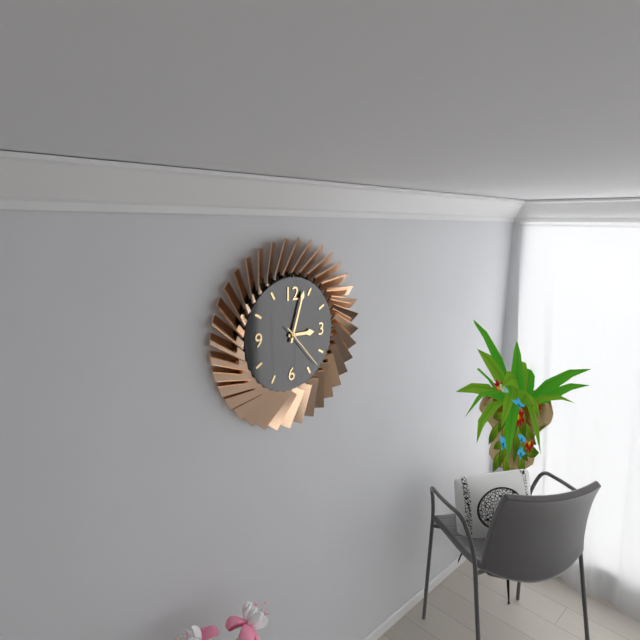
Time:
{"hour": 3, "minute": 3}
